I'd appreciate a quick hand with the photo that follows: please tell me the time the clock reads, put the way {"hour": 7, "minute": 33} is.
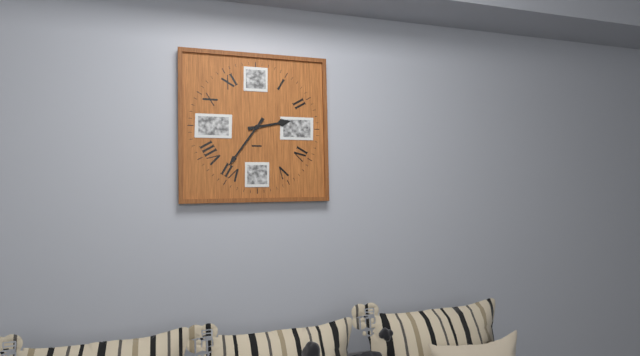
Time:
{"hour": 2, "minute": 36}
